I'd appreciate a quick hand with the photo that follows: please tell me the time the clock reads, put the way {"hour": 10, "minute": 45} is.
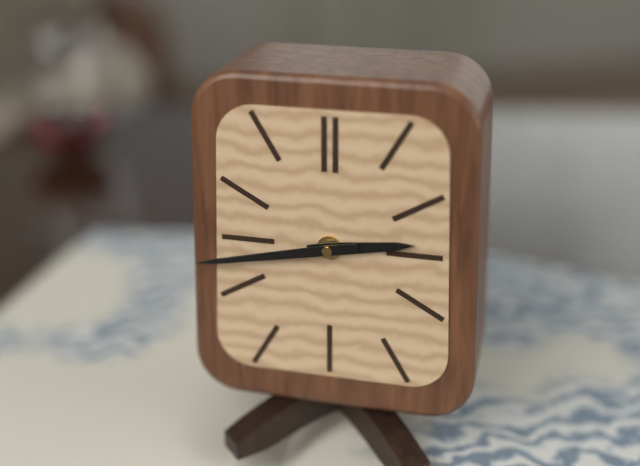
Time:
{"hour": 2, "minute": 43}
